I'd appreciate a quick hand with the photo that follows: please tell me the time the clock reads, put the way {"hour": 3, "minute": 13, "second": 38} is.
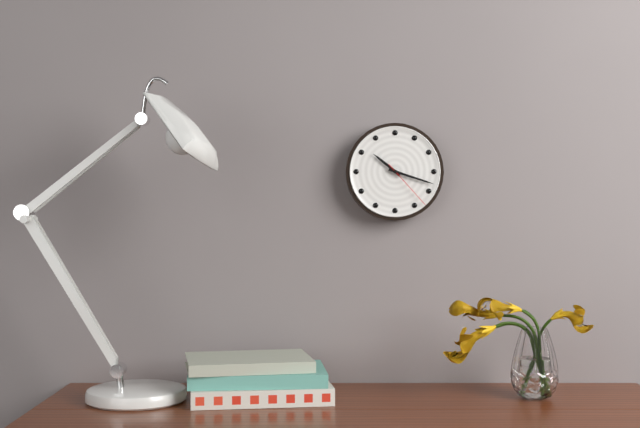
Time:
{"hour": 10, "minute": 18, "second": 23}
